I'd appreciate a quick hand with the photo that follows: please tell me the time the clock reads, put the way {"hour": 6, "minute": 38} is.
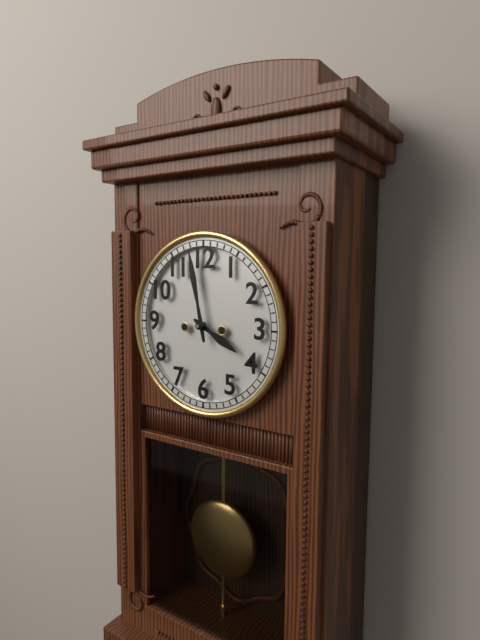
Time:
{"hour": 3, "minute": 58}
